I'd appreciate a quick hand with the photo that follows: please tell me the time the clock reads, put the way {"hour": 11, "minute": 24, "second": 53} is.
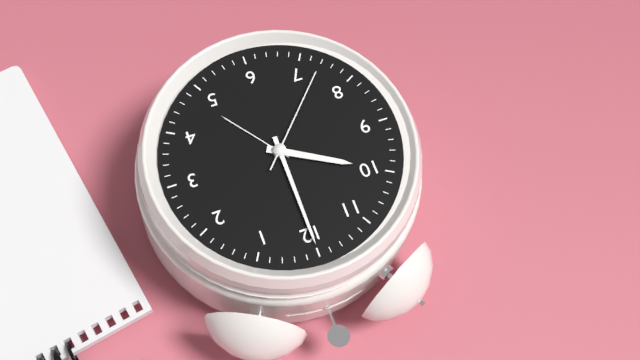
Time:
{"hour": 10, "minute": 0, "second": 37}
